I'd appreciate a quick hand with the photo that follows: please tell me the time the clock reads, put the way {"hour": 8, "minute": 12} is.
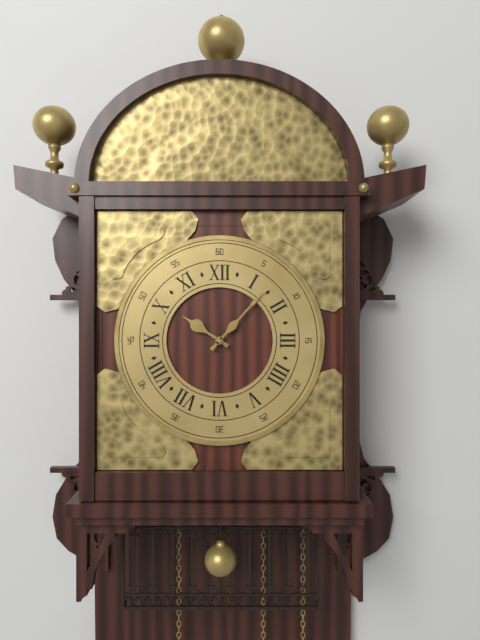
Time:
{"hour": 10, "minute": 7}
